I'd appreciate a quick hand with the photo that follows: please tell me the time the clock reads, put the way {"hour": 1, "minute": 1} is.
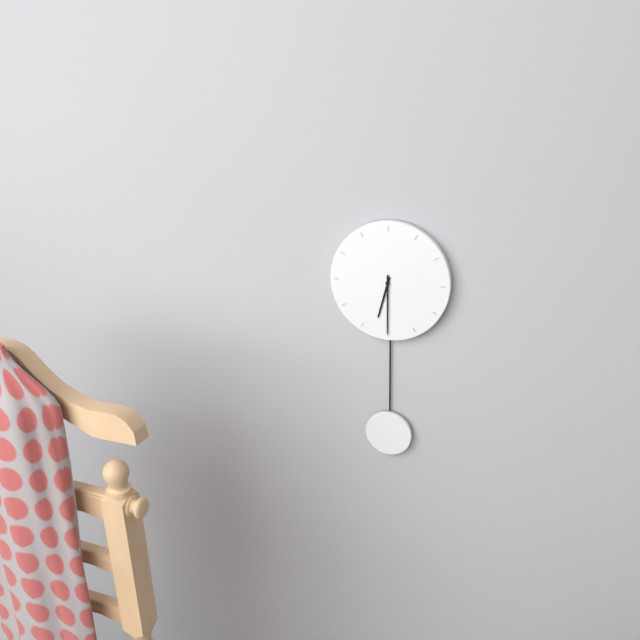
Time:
{"hour": 6, "minute": 30}
